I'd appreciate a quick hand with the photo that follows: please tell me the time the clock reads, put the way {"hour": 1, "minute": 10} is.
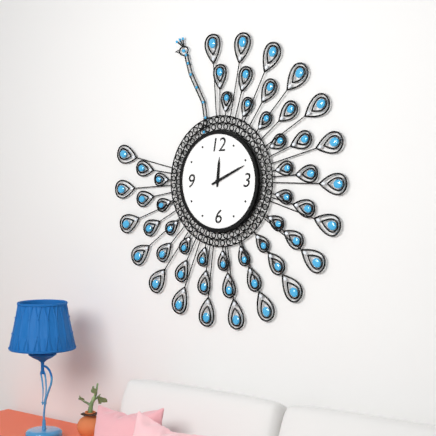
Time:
{"hour": 12, "minute": 11}
